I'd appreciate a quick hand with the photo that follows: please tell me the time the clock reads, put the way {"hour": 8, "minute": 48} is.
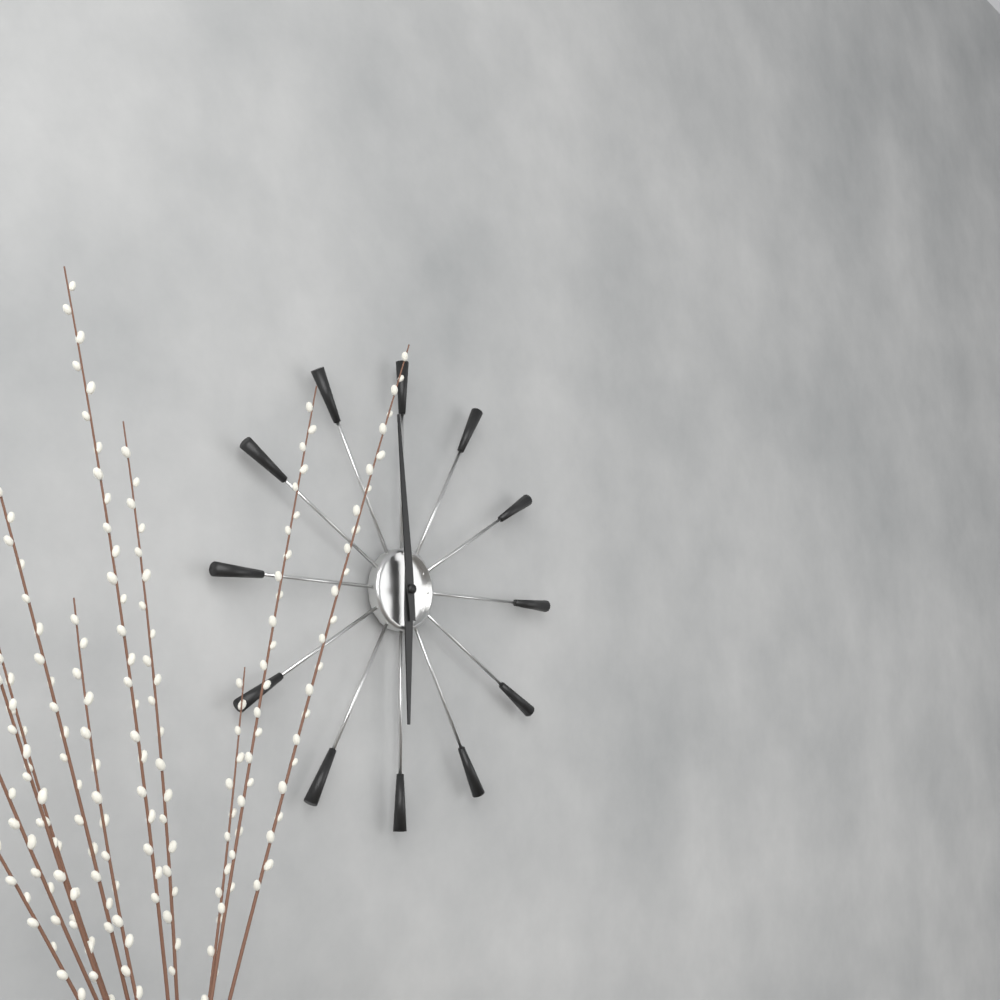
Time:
{"hour": 5, "minute": 59}
